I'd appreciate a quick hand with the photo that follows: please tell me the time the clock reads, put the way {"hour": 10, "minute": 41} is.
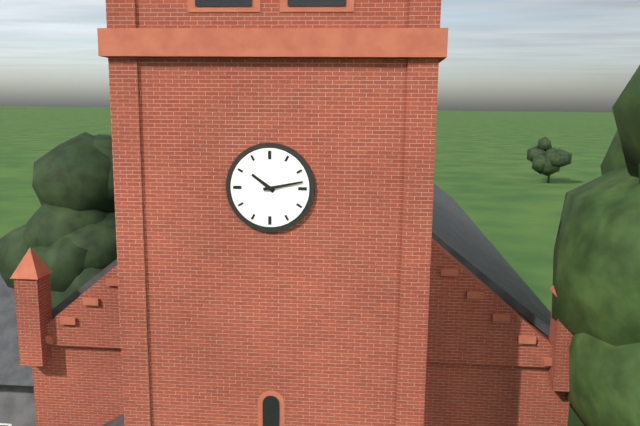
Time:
{"hour": 10, "minute": 13}
